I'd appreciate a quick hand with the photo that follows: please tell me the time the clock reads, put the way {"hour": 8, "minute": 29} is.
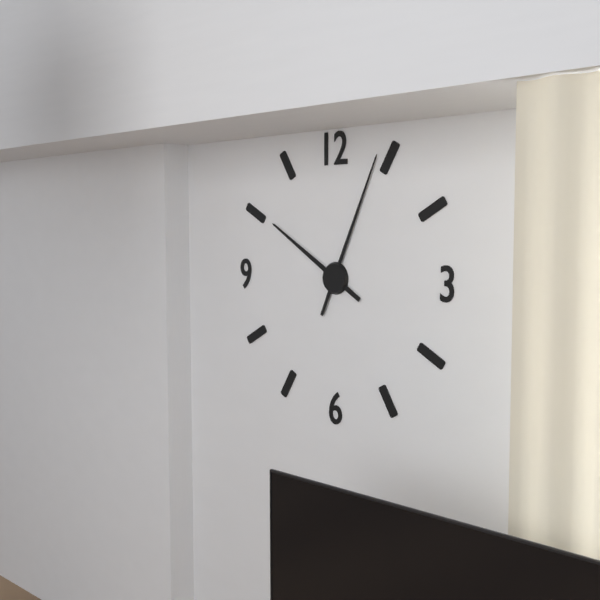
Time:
{"hour": 10, "minute": 4}
